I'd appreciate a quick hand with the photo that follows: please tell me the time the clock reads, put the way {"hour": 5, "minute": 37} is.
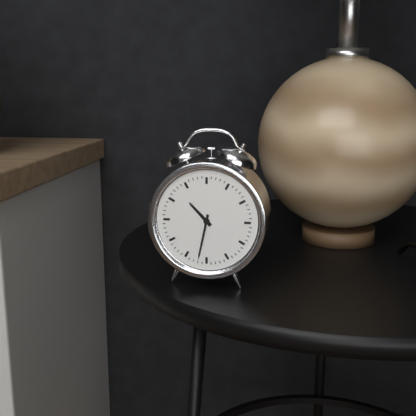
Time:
{"hour": 10, "minute": 32}
